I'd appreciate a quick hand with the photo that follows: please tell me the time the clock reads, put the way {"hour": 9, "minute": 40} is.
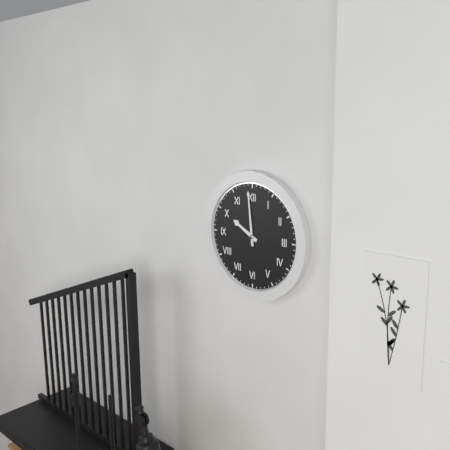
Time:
{"hour": 9, "minute": 59}
